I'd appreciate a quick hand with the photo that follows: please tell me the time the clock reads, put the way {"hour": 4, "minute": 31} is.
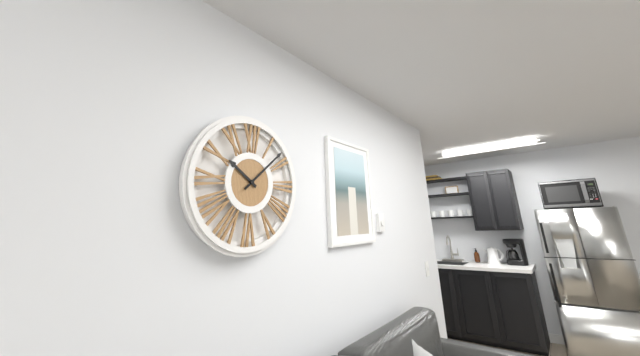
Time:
{"hour": 10, "minute": 8}
